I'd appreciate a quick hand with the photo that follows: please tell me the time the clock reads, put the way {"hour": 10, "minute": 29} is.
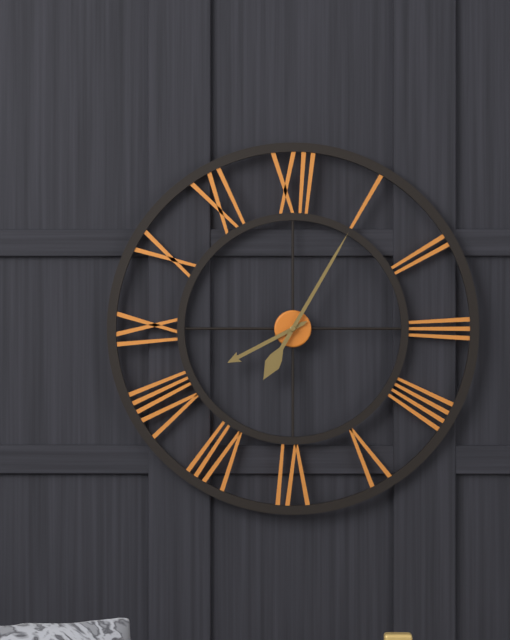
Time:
{"hour": 8, "minute": 5}
